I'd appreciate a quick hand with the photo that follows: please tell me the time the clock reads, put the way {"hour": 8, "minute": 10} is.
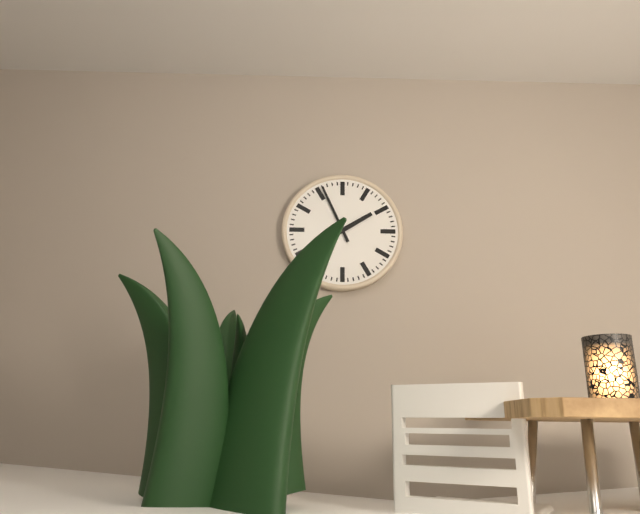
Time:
{"hour": 1, "minute": 56}
